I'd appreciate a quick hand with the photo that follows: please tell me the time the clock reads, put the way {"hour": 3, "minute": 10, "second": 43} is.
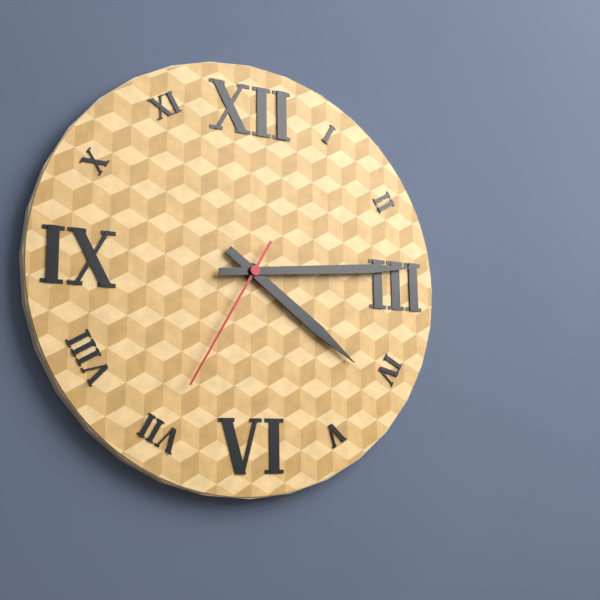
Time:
{"hour": 4, "minute": 14, "second": 35}
